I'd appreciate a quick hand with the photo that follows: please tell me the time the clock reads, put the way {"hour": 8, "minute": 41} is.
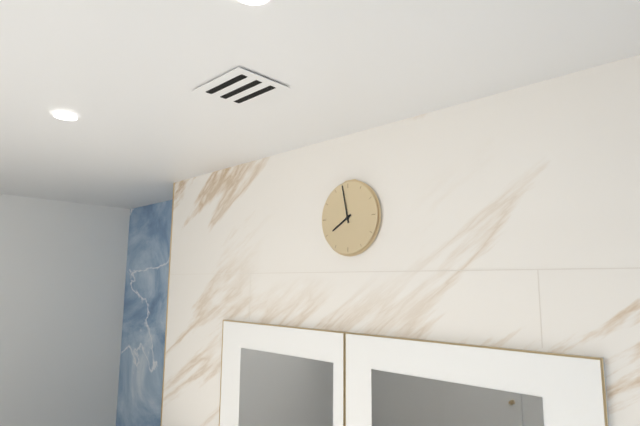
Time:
{"hour": 7, "minute": 58}
